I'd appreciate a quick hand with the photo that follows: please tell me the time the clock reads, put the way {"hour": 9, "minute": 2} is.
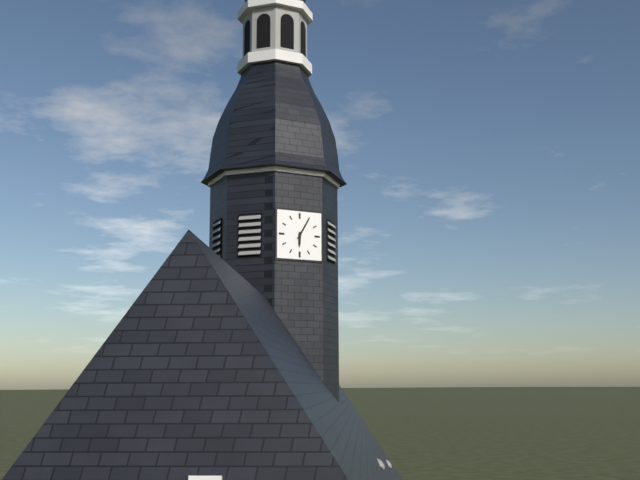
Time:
{"hour": 6, "minute": 5}
